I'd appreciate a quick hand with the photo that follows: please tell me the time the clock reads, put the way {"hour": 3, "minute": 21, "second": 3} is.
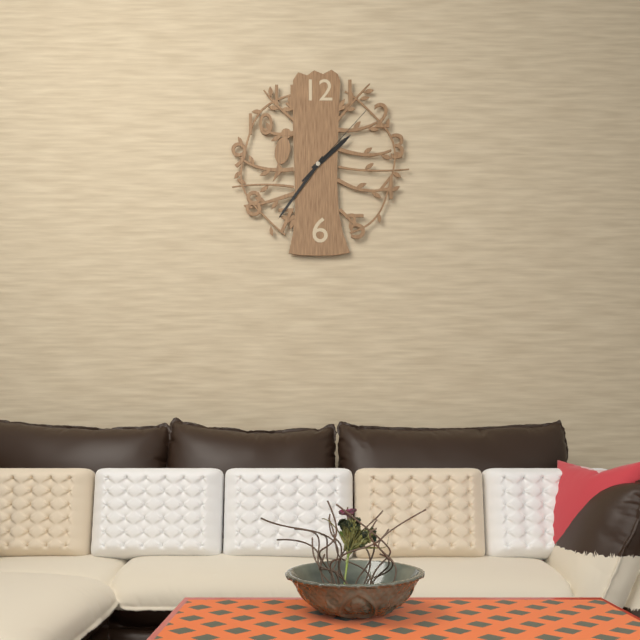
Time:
{"hour": 1, "minute": 36, "second": 7}
